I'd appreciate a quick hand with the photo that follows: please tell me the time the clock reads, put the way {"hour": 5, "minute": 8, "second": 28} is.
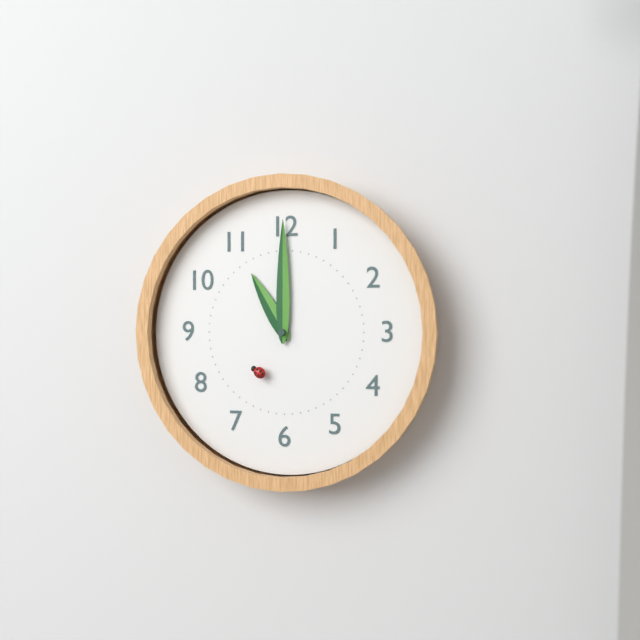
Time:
{"hour": 11, "minute": 0, "second": 35}
